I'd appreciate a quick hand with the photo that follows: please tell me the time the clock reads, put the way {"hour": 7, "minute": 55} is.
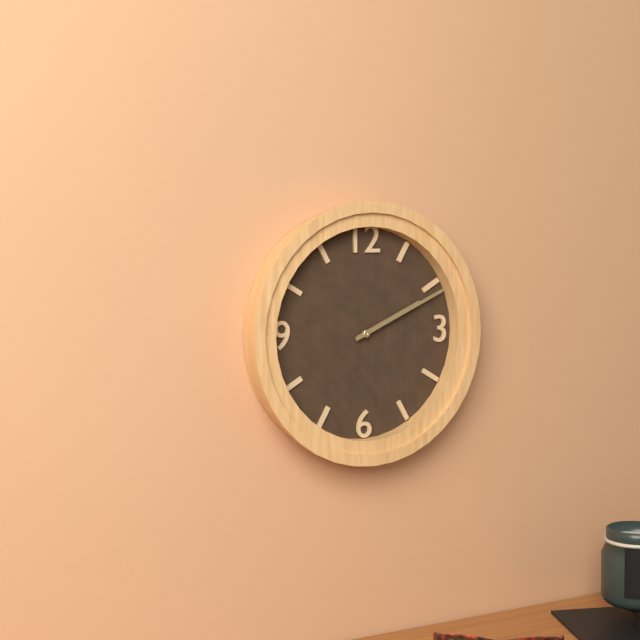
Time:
{"hour": 2, "minute": 11}
